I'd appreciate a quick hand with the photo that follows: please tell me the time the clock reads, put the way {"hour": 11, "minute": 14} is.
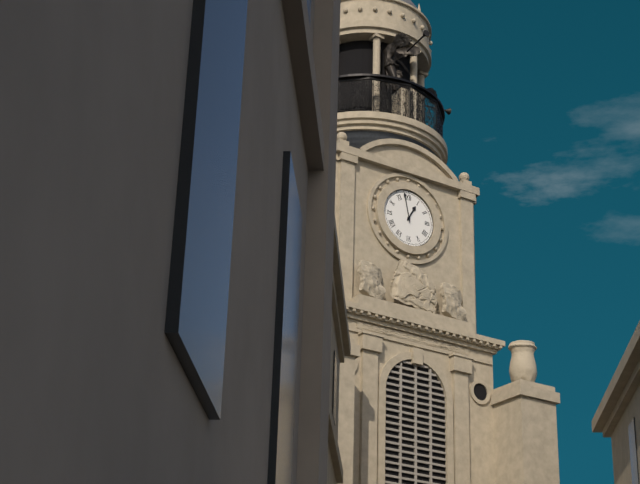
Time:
{"hour": 12, "minute": 58}
